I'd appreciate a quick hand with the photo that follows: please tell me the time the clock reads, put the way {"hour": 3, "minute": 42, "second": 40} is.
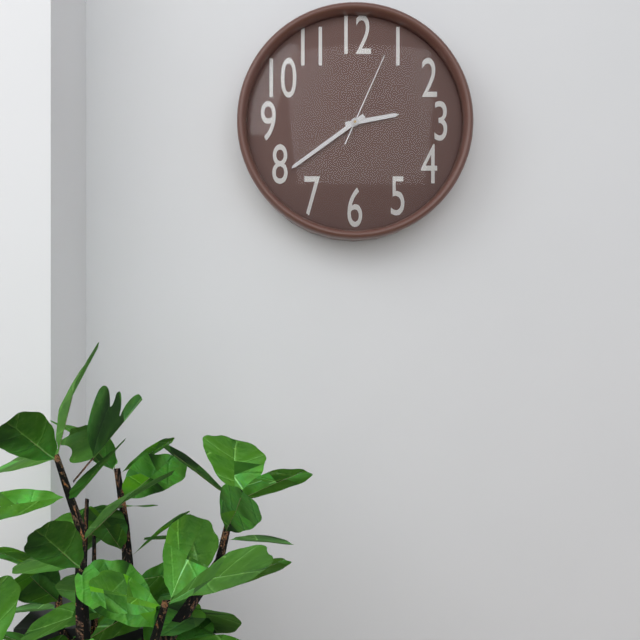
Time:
{"hour": 2, "minute": 39, "second": 4}
